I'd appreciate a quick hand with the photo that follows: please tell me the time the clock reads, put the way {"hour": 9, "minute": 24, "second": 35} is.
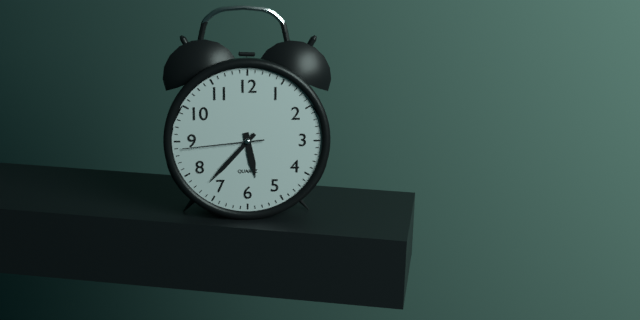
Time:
{"hour": 5, "minute": 37, "second": 44}
